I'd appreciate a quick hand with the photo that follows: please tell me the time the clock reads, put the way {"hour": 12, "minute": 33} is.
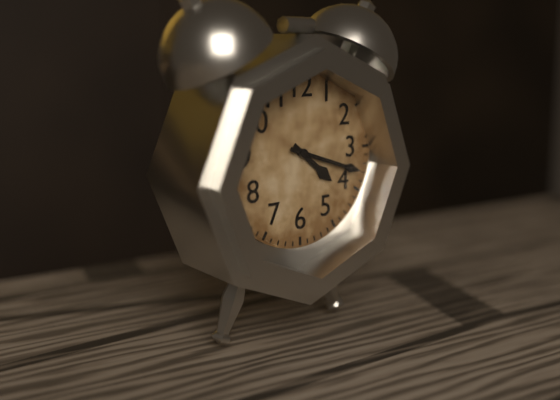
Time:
{"hour": 4, "minute": 18}
